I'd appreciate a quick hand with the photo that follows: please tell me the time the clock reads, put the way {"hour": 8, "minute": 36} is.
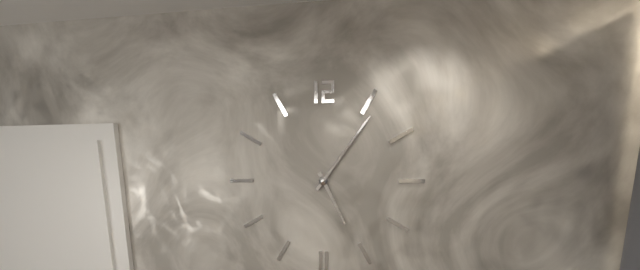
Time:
{"hour": 5, "minute": 6}
